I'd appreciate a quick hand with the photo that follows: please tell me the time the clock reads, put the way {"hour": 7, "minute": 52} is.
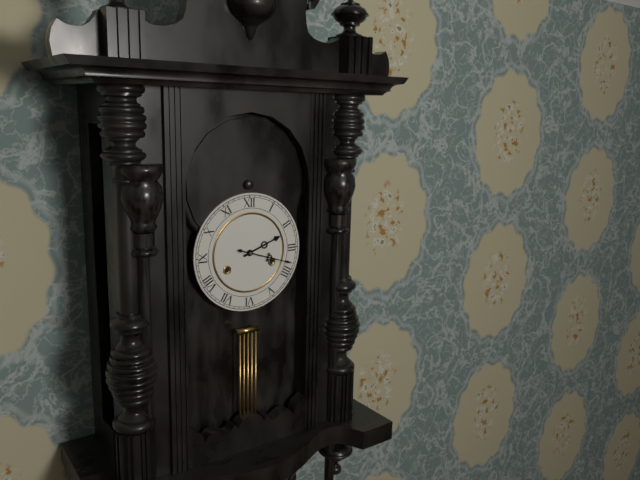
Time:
{"hour": 2, "minute": 18}
